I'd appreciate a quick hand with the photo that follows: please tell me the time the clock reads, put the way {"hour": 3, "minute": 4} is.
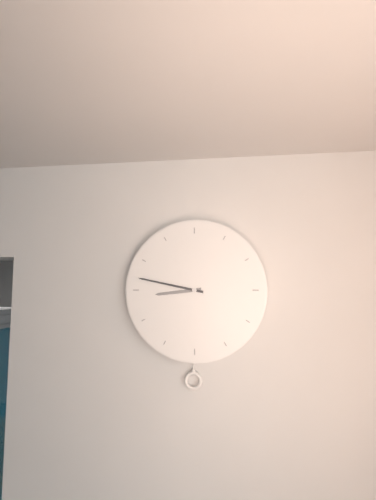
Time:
{"hour": 8, "minute": 47}
